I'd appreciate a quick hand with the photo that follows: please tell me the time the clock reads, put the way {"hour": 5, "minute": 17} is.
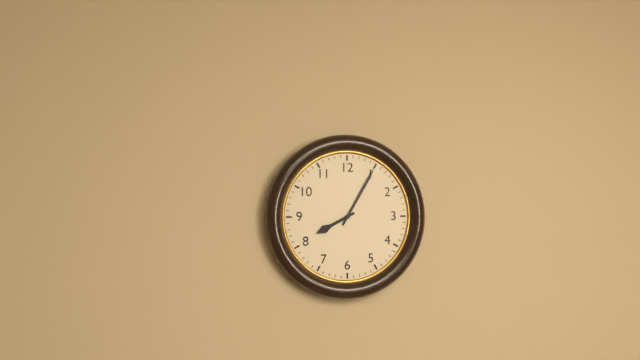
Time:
{"hour": 8, "minute": 5}
